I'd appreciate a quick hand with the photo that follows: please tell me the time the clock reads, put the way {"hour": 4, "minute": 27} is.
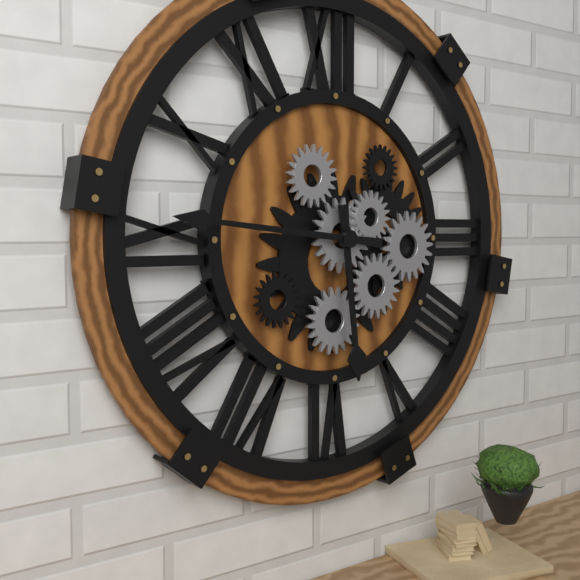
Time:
{"hour": 5, "minute": 46}
